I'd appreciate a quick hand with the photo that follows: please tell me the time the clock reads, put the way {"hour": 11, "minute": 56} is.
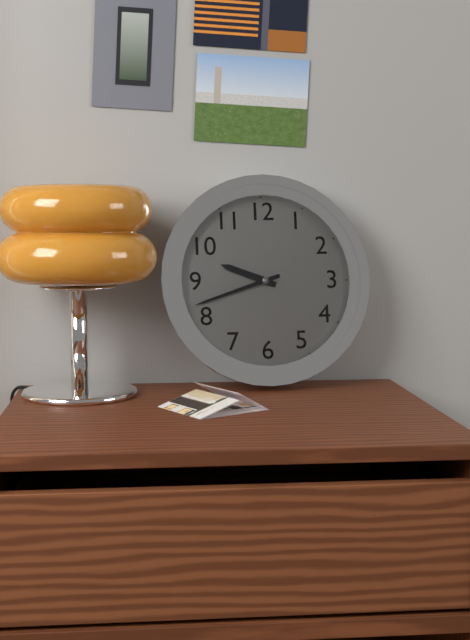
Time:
{"hour": 9, "minute": 42}
